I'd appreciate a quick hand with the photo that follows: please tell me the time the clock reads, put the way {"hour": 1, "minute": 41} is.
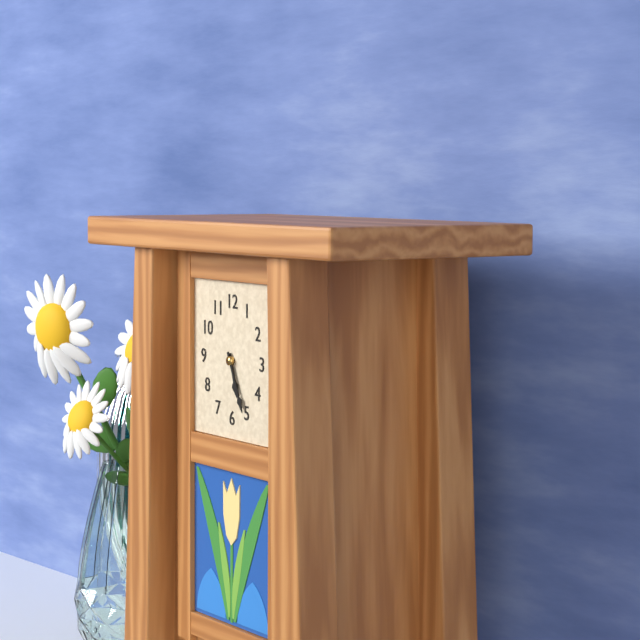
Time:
{"hour": 5, "minute": 26}
